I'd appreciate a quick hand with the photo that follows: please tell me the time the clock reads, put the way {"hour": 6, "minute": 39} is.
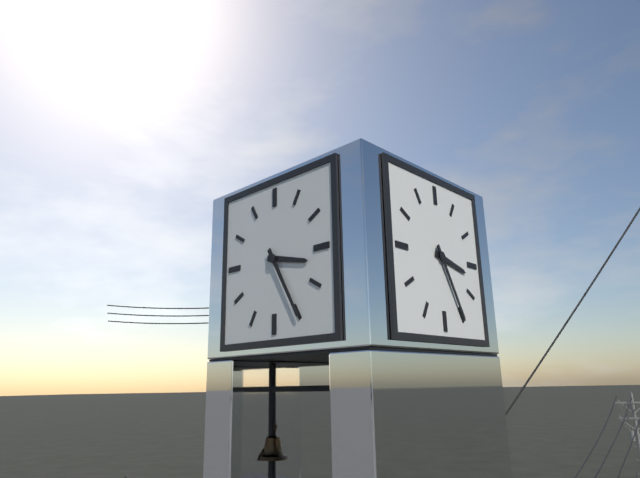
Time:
{"hour": 3, "minute": 25}
